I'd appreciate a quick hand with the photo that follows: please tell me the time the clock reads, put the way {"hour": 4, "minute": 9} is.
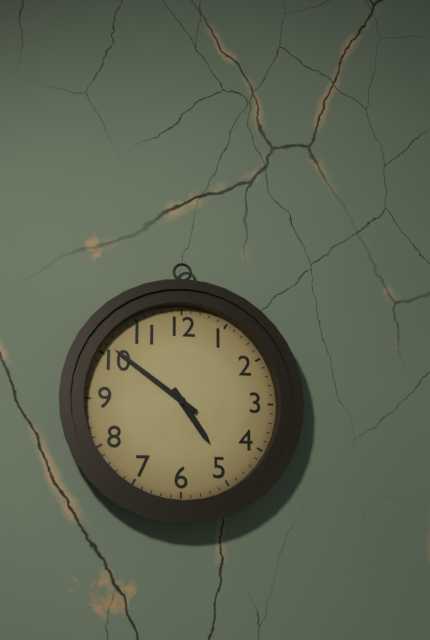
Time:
{"hour": 4, "minute": 51}
